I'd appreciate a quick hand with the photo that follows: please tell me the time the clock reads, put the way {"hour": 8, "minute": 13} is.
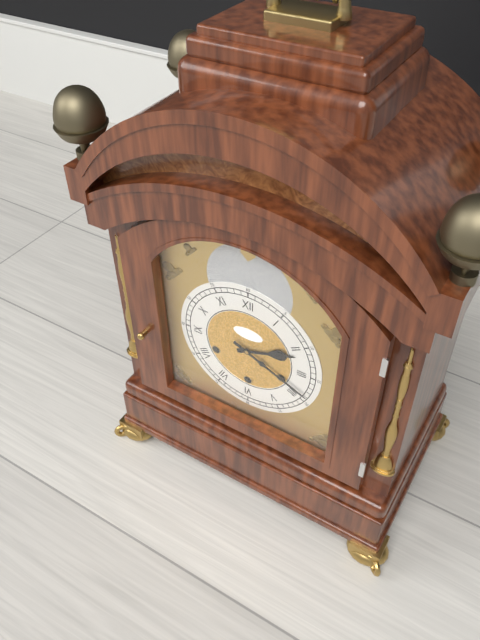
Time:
{"hour": 2, "minute": 19}
